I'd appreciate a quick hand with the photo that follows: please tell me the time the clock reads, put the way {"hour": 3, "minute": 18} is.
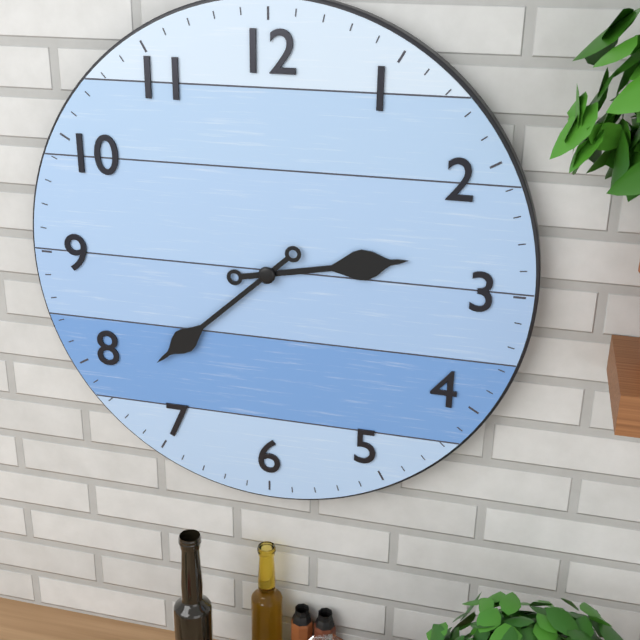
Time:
{"hour": 2, "minute": 38}
